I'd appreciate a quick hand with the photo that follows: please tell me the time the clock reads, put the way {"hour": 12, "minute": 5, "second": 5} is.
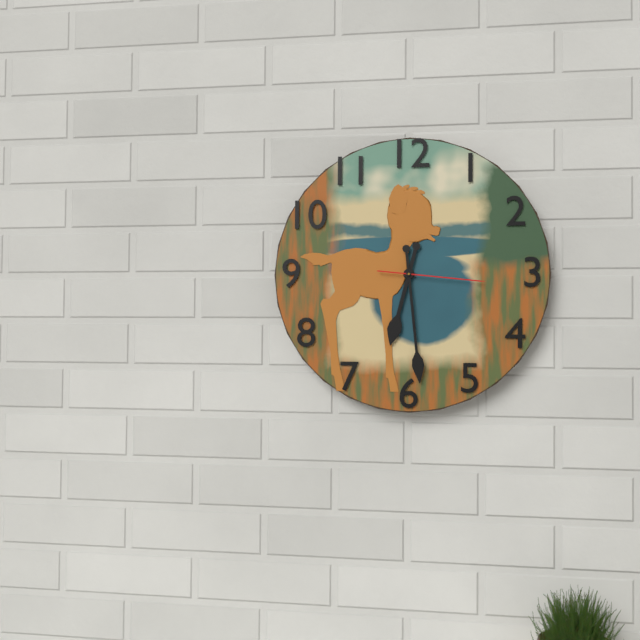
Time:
{"hour": 6, "minute": 29, "second": 16}
